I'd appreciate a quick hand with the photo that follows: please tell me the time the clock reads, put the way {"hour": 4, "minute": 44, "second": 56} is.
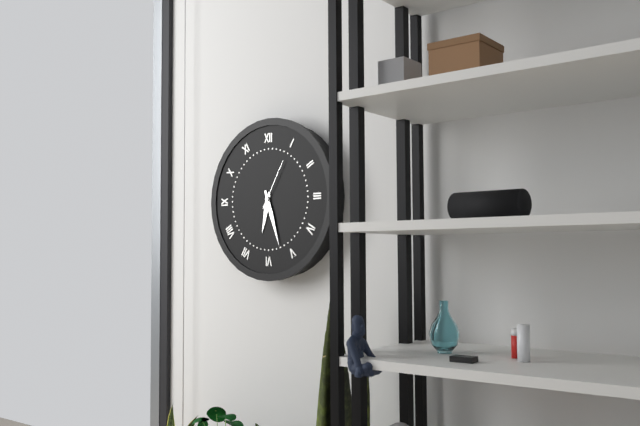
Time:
{"hour": 6, "minute": 27, "second": 5}
